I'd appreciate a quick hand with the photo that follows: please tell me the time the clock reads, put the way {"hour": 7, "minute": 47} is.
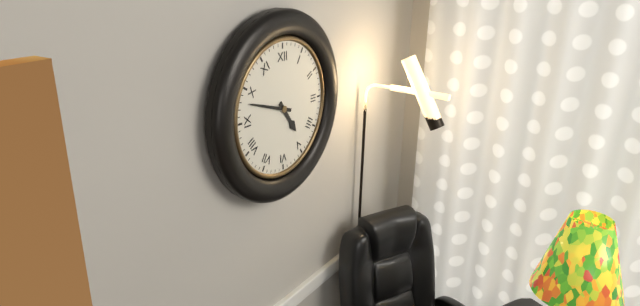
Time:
{"hour": 4, "minute": 48}
